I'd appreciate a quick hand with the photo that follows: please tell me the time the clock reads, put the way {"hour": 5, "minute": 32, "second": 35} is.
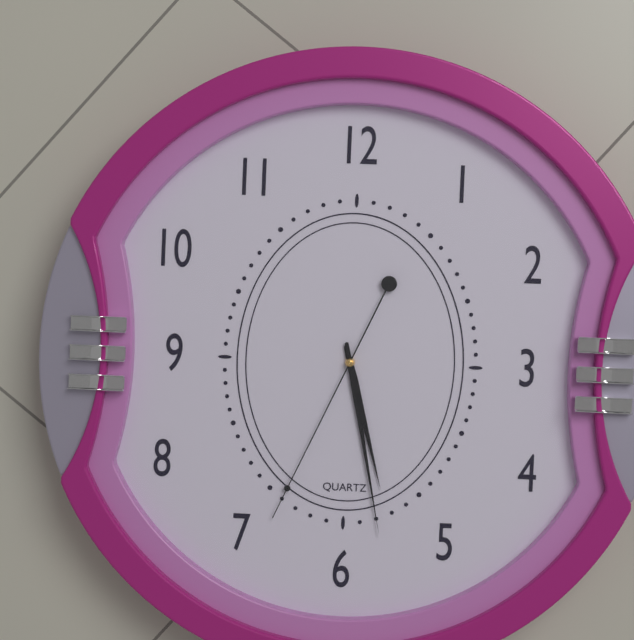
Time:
{"hour": 5, "minute": 28, "second": 34}
